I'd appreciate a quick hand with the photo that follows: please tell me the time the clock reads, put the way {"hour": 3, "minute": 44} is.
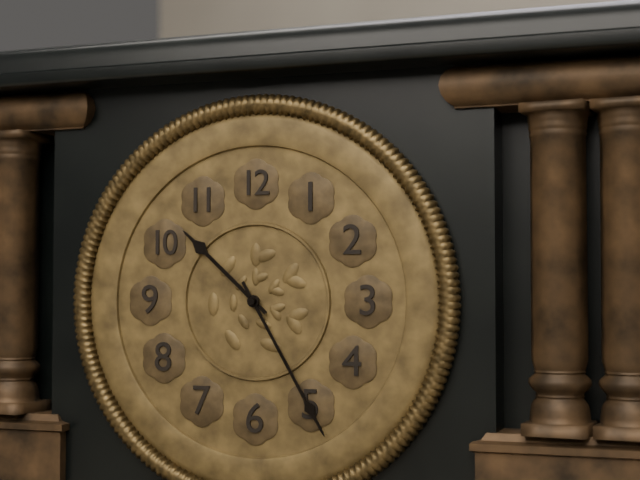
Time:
{"hour": 10, "minute": 25}
